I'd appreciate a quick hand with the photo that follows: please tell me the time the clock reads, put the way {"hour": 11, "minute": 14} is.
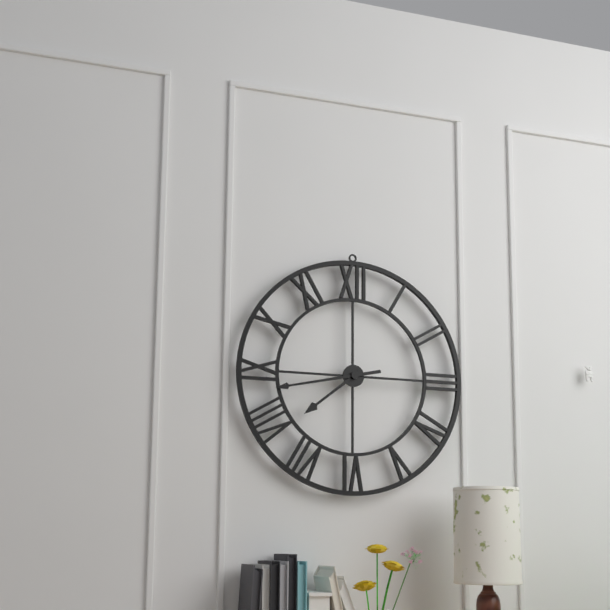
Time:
{"hour": 7, "minute": 43}
